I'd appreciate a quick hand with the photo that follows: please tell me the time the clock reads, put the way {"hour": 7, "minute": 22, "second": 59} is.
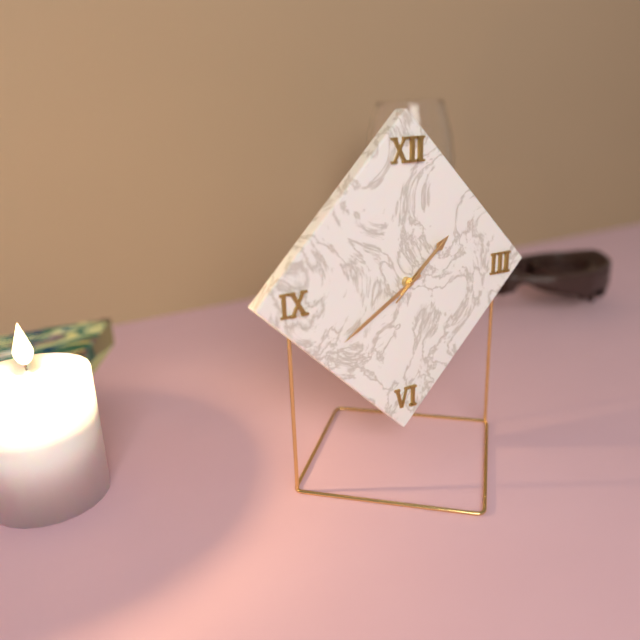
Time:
{"hour": 1, "minute": 40, "second": 8}
